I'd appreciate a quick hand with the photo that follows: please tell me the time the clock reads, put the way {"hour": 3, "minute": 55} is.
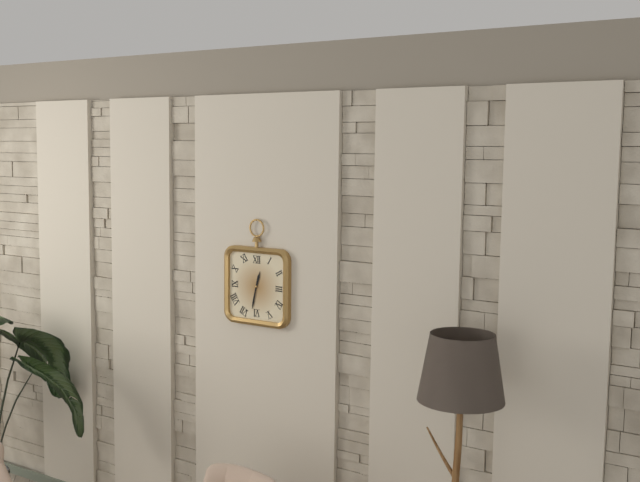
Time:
{"hour": 12, "minute": 32}
